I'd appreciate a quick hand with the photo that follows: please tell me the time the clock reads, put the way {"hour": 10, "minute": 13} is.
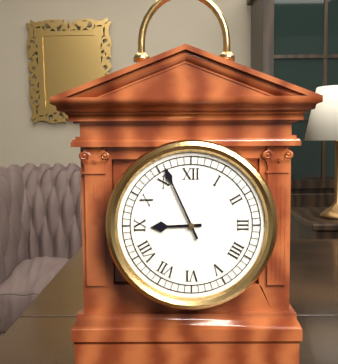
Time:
{"hour": 8, "minute": 56}
